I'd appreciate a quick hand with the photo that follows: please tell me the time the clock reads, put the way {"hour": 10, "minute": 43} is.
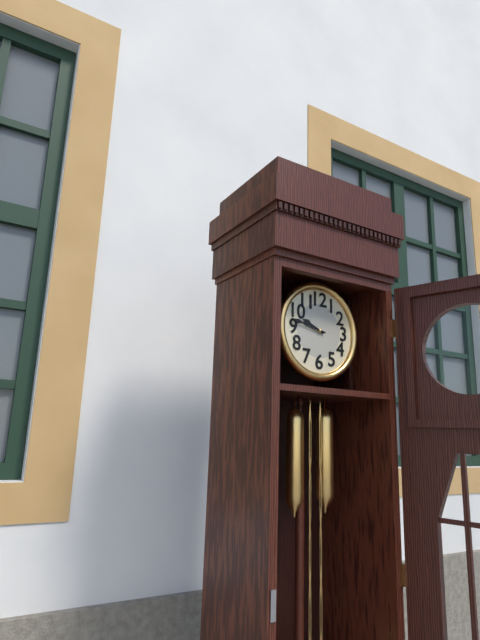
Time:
{"hour": 9, "minute": 47}
